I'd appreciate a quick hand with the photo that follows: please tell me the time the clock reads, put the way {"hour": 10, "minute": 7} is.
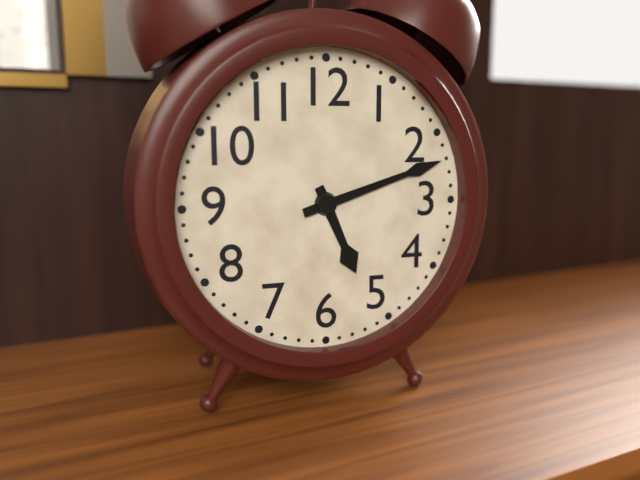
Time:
{"hour": 5, "minute": 12}
